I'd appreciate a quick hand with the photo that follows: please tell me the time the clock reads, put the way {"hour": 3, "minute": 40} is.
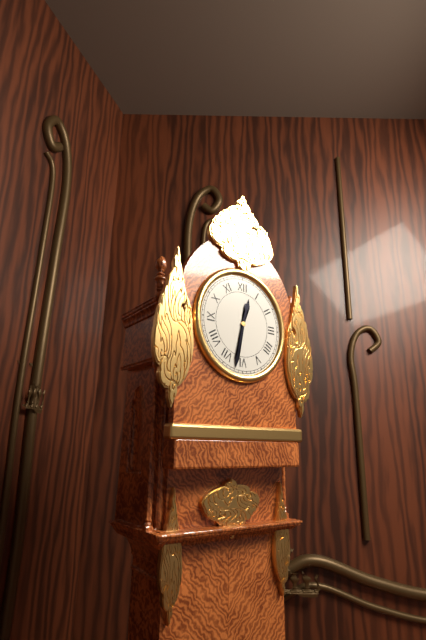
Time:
{"hour": 12, "minute": 32}
